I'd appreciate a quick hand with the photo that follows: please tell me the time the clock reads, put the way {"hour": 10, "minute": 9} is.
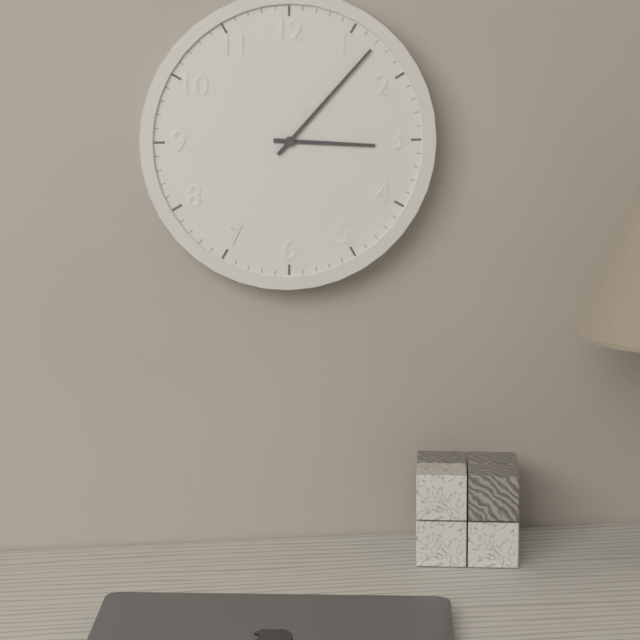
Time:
{"hour": 3, "minute": 7}
